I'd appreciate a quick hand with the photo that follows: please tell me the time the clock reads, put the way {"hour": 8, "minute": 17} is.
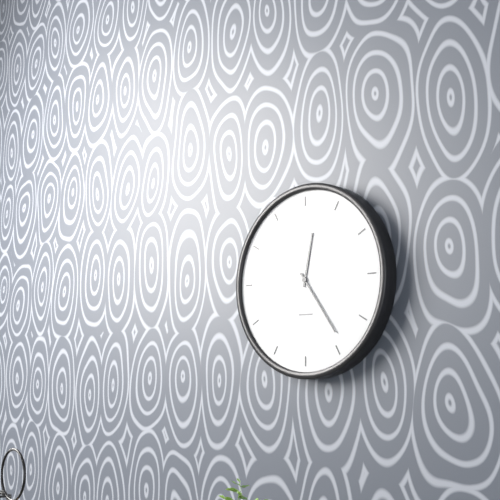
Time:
{"hour": 12, "minute": 24}
